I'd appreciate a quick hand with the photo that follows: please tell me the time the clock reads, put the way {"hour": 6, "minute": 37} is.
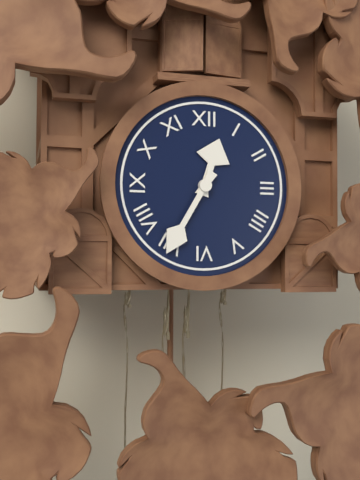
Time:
{"hour": 12, "minute": 35}
